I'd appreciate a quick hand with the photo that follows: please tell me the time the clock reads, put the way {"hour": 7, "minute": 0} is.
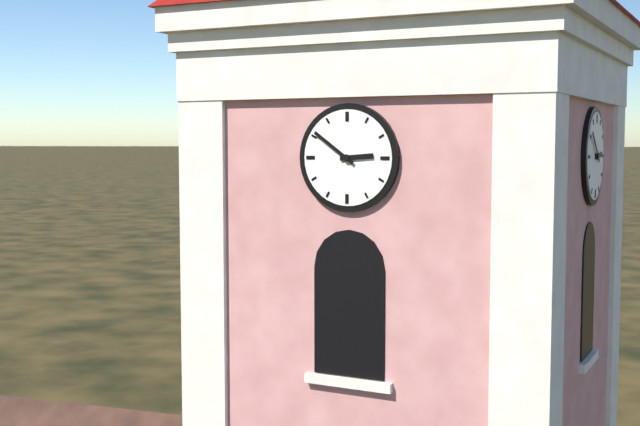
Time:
{"hour": 2, "minute": 51}
